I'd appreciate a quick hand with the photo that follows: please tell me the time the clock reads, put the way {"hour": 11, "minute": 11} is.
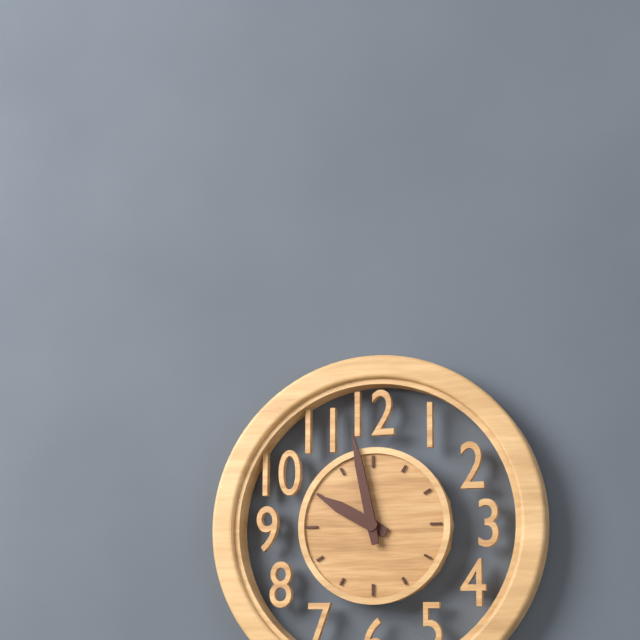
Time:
{"hour": 9, "minute": 58}
